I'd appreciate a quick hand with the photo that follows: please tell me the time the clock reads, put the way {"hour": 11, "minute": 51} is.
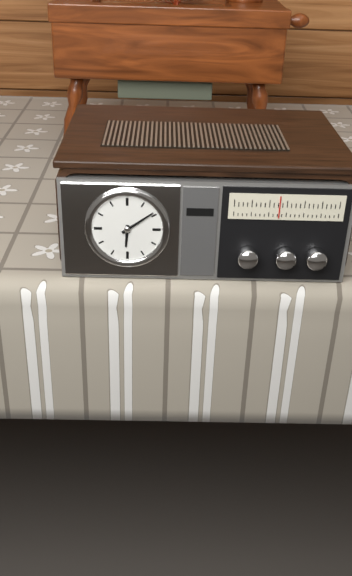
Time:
{"hour": 6, "minute": 9}
